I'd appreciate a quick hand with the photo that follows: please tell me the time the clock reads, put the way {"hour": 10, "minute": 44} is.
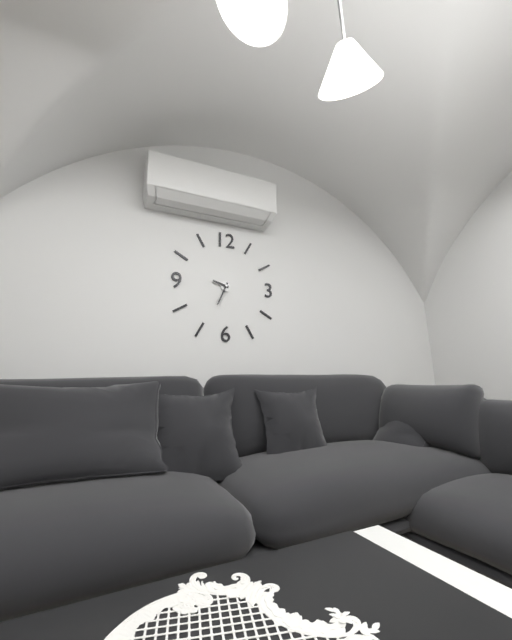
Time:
{"hour": 9, "minute": 34}
